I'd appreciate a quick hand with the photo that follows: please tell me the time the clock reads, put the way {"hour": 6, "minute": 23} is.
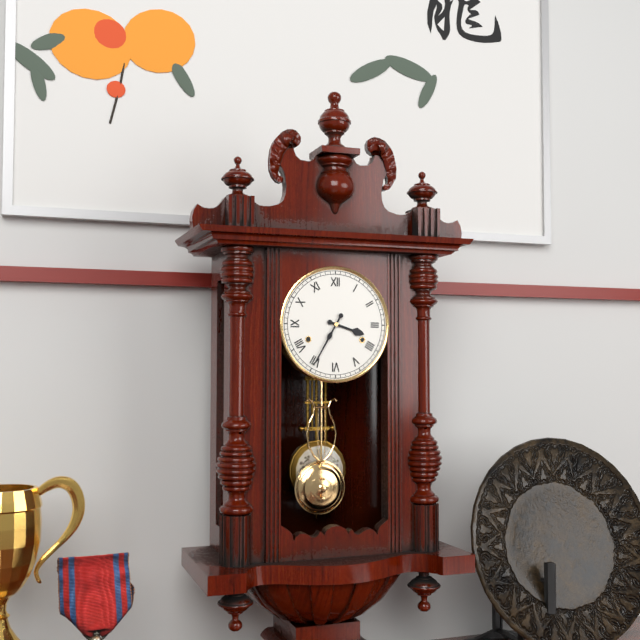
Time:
{"hour": 3, "minute": 35}
